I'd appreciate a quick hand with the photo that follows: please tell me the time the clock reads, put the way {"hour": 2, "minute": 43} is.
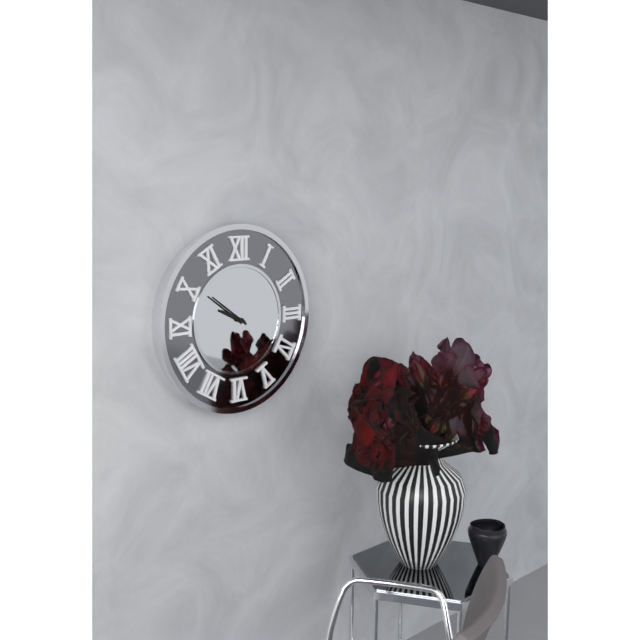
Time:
{"hour": 9, "minute": 51}
